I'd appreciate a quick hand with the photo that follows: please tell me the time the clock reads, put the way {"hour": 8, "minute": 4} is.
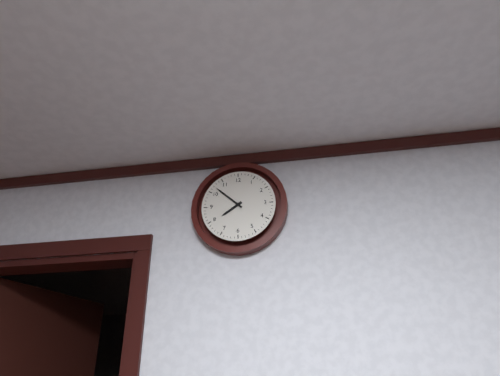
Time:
{"hour": 7, "minute": 52}
